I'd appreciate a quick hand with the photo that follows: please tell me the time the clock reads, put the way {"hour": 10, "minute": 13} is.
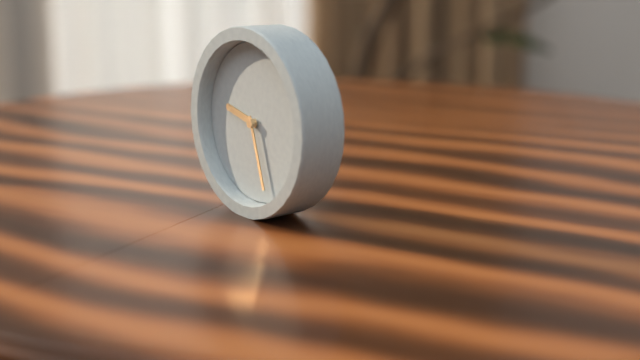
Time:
{"hour": 9, "minute": 27}
